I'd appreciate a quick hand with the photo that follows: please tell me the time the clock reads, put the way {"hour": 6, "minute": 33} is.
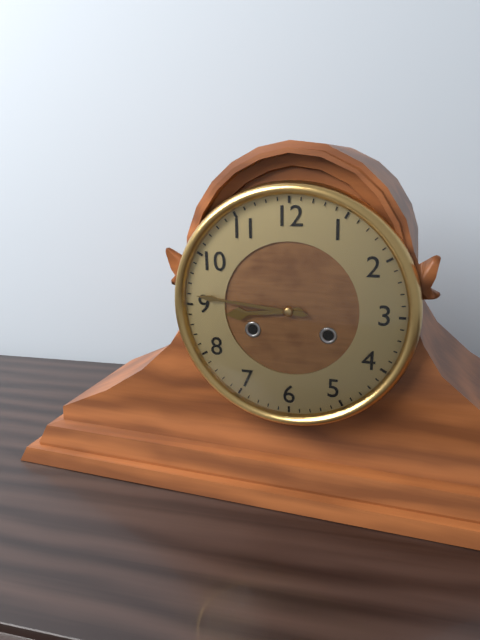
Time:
{"hour": 8, "minute": 46}
